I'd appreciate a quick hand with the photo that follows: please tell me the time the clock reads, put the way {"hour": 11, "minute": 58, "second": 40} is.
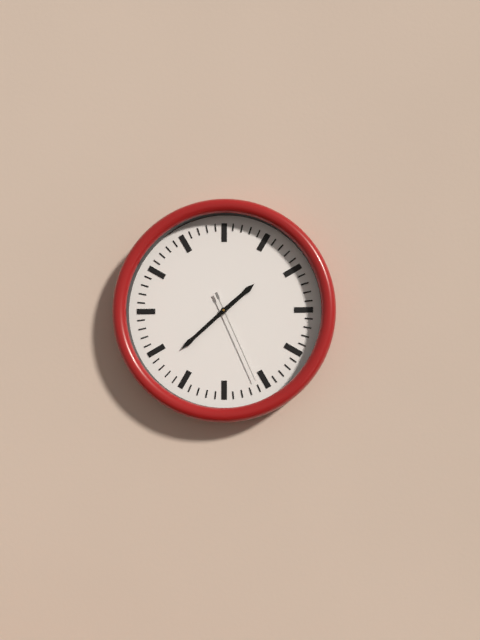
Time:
{"hour": 1, "minute": 38, "second": 26}
